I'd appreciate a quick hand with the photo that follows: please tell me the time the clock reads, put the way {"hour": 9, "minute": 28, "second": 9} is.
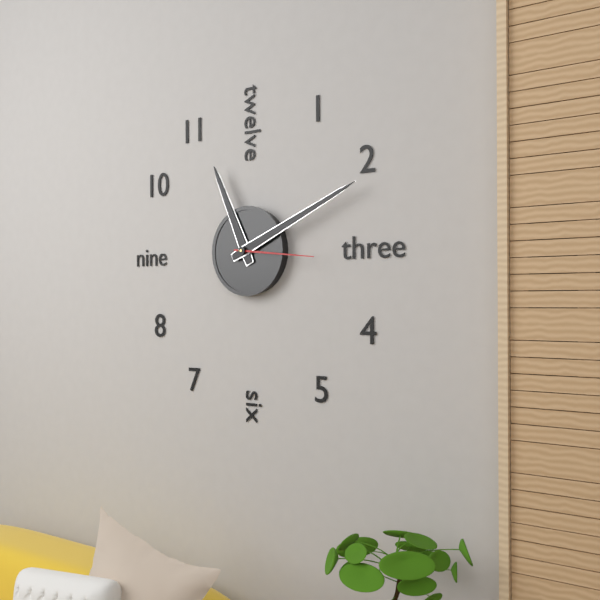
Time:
{"hour": 11, "minute": 11, "second": 16}
